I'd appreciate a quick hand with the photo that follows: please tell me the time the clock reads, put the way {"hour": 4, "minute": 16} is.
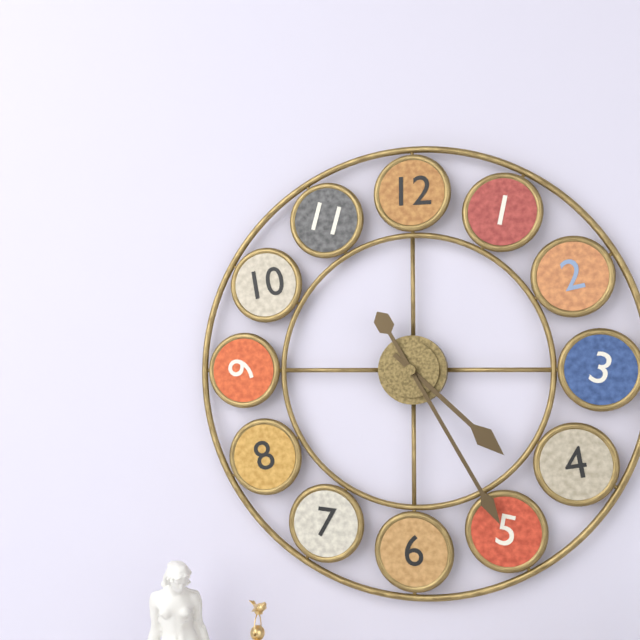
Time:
{"hour": 4, "minute": 25}
